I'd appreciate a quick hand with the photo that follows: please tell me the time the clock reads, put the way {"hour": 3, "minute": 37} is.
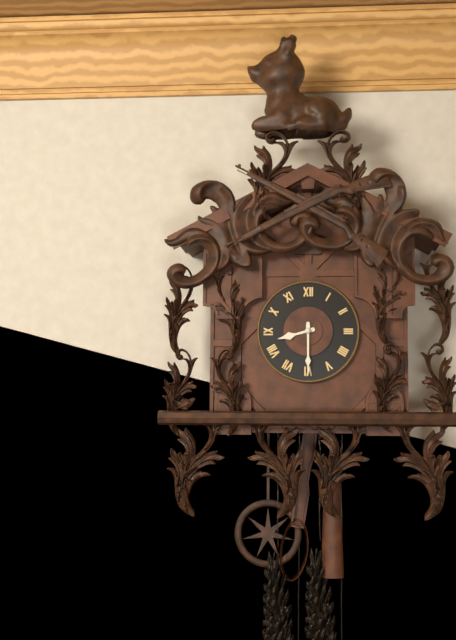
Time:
{"hour": 8, "minute": 30}
